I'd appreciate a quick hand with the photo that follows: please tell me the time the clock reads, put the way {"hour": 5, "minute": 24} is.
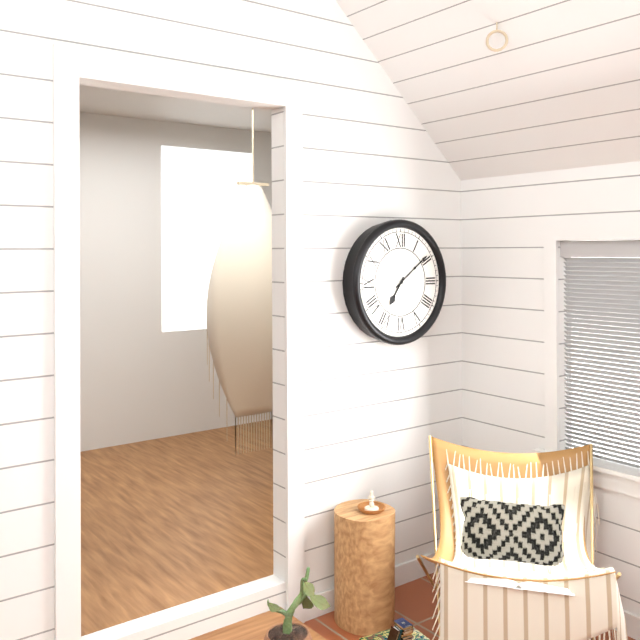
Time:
{"hour": 7, "minute": 9}
